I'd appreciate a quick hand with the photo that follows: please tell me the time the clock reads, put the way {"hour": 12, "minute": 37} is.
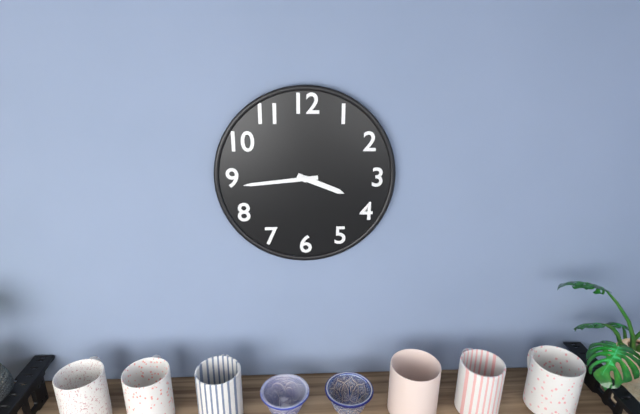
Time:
{"hour": 3, "minute": 44}
